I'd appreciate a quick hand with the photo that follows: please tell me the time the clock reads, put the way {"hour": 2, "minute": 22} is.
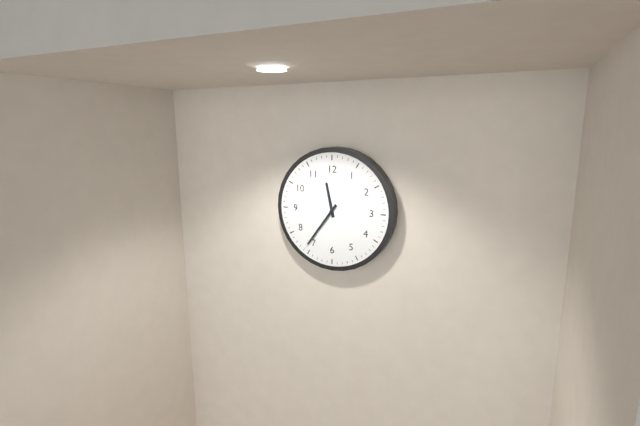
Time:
{"hour": 11, "minute": 36}
